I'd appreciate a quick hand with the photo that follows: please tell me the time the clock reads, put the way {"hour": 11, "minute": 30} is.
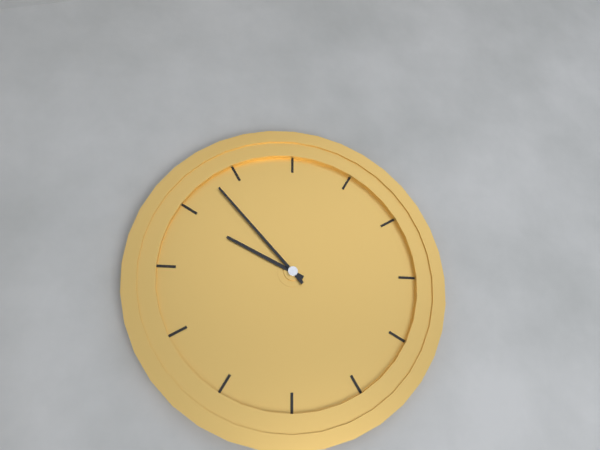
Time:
{"hour": 9, "minute": 53}
